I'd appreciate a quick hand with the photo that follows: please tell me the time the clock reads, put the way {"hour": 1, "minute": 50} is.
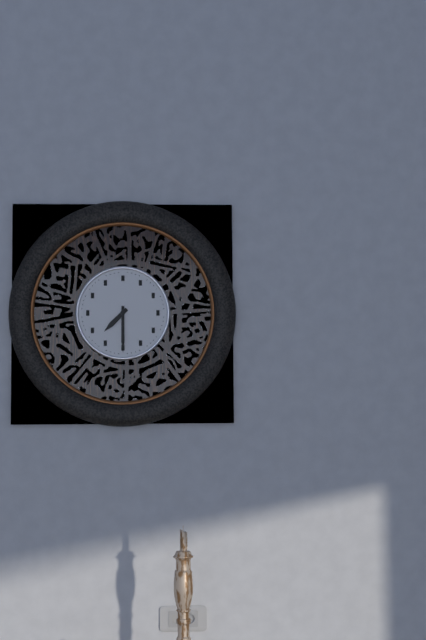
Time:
{"hour": 7, "minute": 30}
